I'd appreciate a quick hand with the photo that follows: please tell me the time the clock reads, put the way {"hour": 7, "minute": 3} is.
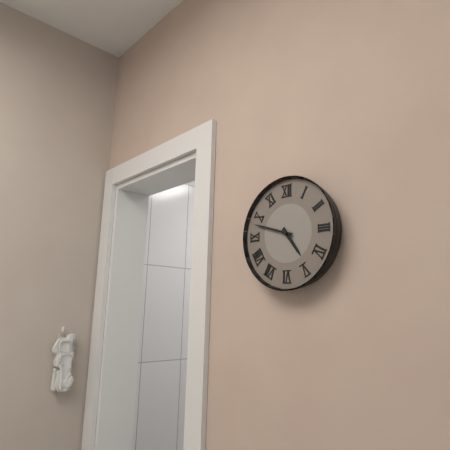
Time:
{"hour": 4, "minute": 48}
